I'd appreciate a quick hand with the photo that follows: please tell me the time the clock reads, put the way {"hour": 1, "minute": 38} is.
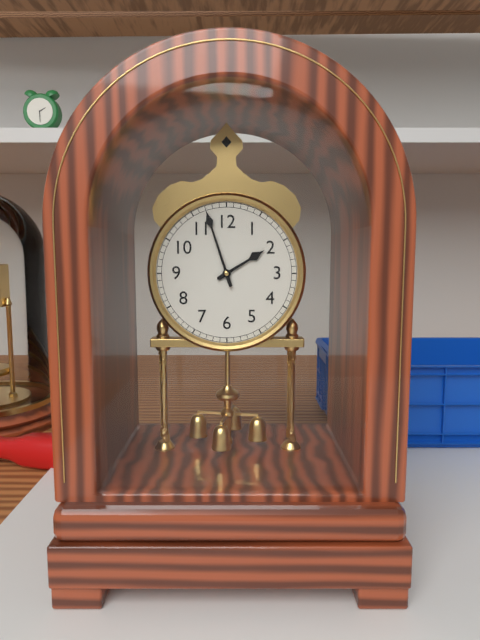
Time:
{"hour": 1, "minute": 57}
